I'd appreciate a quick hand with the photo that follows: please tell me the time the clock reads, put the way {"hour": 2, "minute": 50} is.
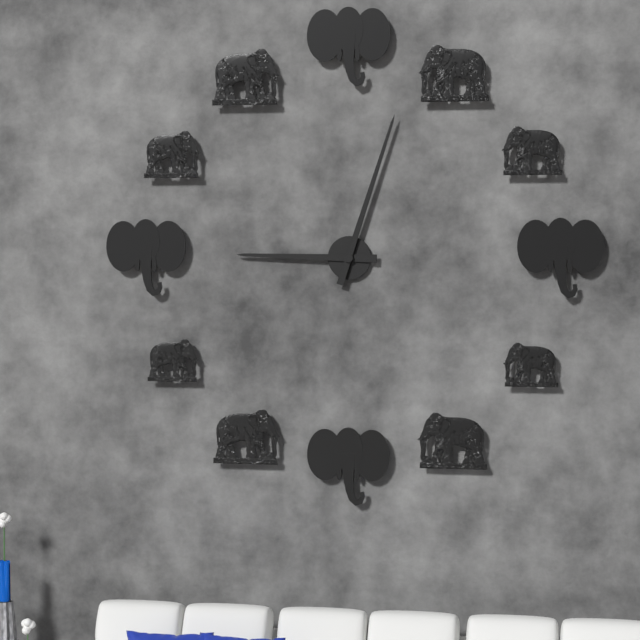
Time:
{"hour": 9, "minute": 3}
